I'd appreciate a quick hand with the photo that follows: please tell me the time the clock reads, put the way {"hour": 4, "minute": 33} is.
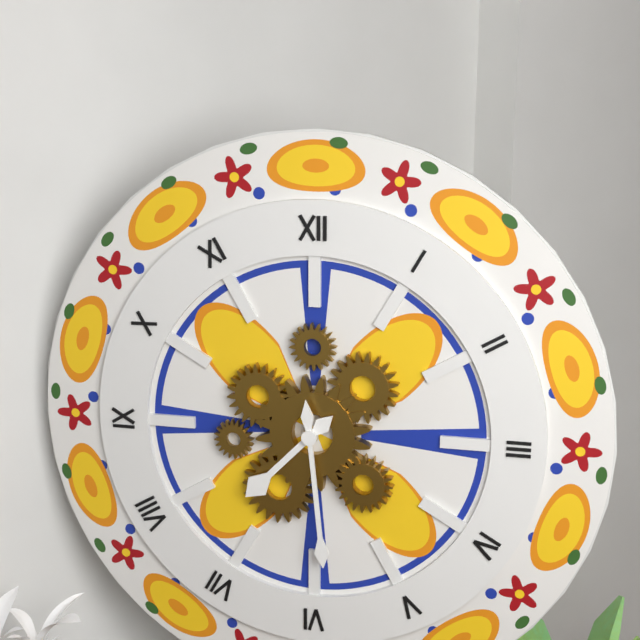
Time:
{"hour": 7, "minute": 29}
